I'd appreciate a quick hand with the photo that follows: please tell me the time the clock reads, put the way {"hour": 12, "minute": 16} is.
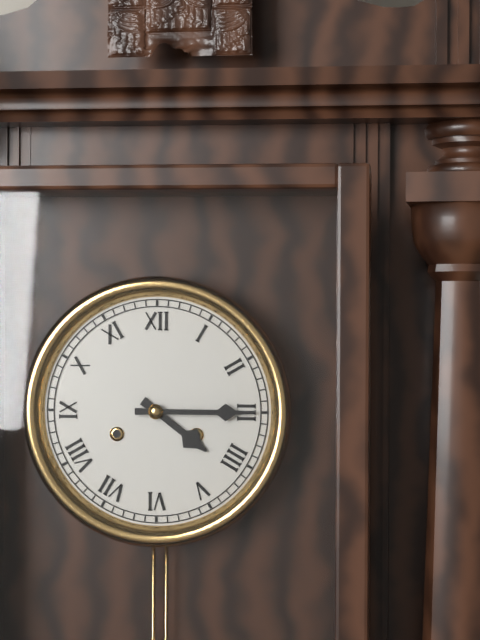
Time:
{"hour": 4, "minute": 15}
